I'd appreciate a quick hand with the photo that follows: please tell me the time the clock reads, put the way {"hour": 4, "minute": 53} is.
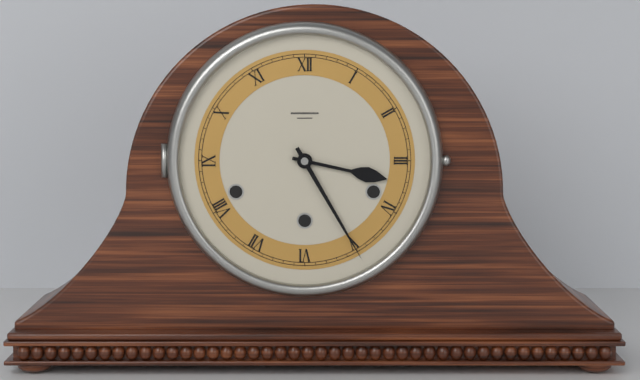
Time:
{"hour": 3, "minute": 25}
